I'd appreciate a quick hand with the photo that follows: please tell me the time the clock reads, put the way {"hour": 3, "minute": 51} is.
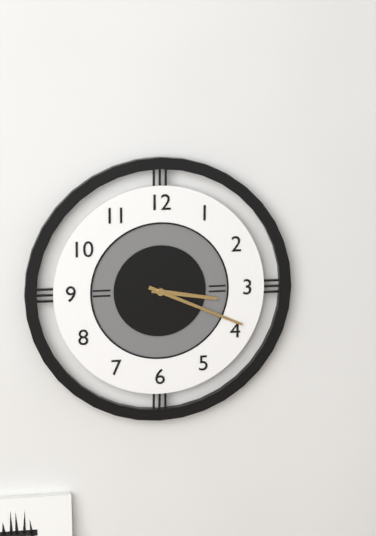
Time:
{"hour": 3, "minute": 19}
